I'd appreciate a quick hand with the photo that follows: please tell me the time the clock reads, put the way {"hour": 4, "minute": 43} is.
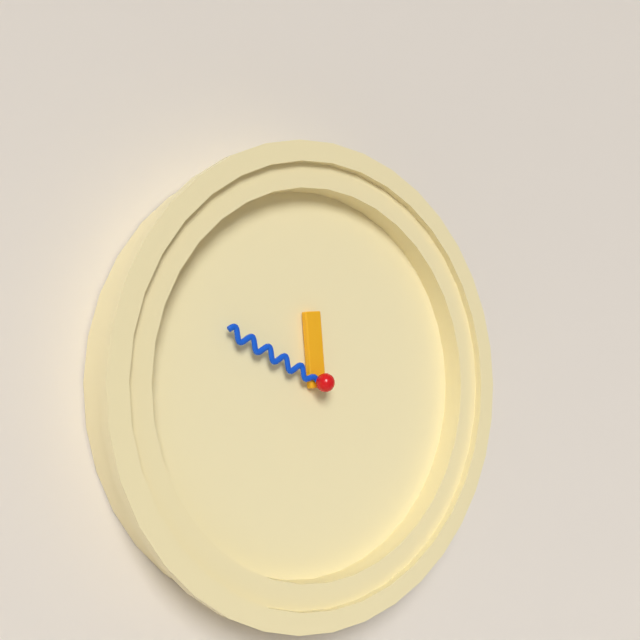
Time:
{"hour": 11, "minute": 49}
